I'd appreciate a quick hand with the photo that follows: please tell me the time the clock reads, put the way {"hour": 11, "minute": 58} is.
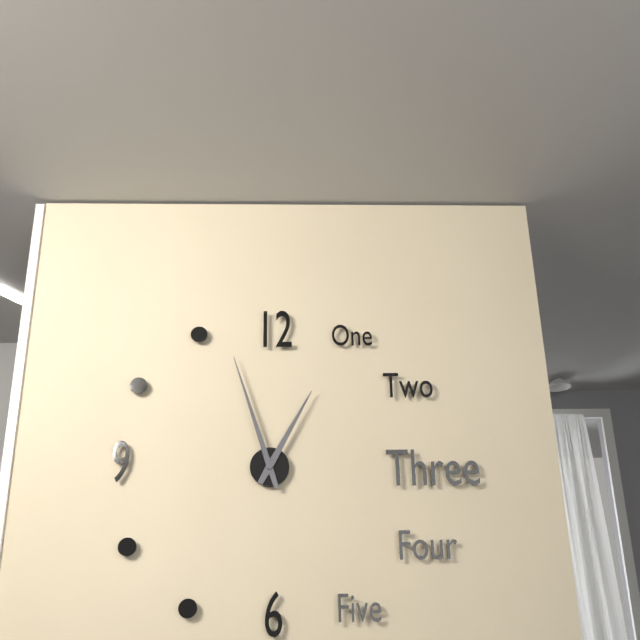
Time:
{"hour": 12, "minute": 57}
